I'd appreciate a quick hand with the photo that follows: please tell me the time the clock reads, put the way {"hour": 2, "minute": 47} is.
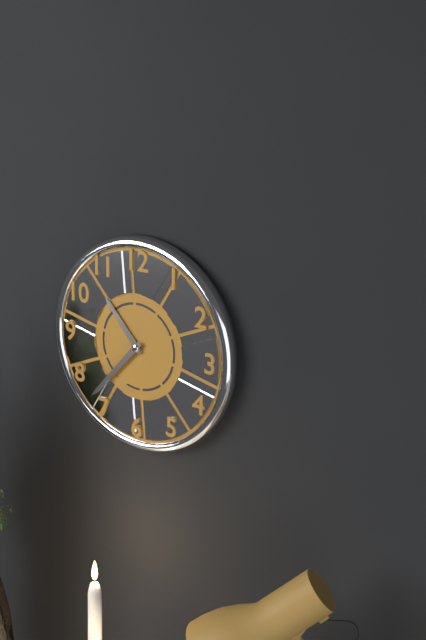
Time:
{"hour": 10, "minute": 37}
